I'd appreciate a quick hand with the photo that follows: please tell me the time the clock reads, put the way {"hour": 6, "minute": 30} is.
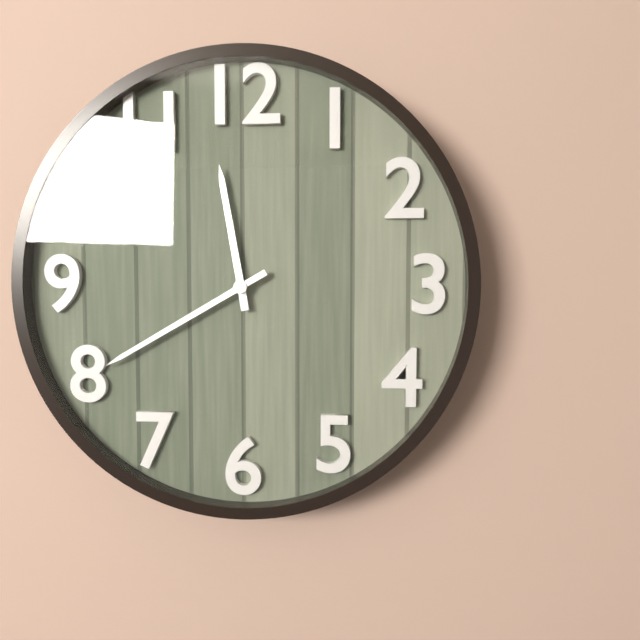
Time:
{"hour": 11, "minute": 40}
